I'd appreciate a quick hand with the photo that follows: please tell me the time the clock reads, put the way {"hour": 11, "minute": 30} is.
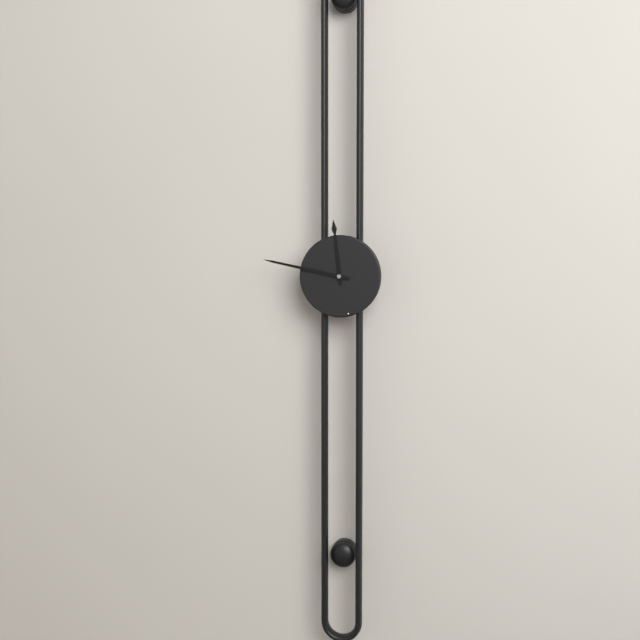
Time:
{"hour": 11, "minute": 47}
